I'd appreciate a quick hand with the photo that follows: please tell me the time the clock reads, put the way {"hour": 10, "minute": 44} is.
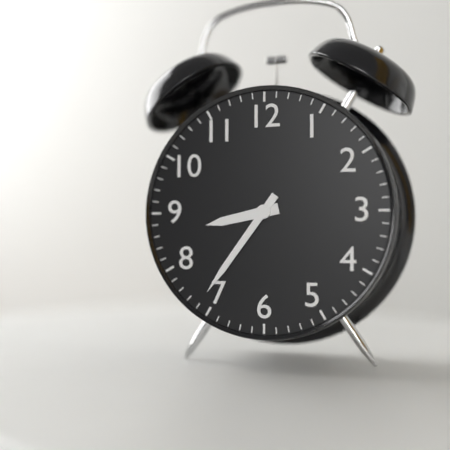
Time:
{"hour": 8, "minute": 36}
